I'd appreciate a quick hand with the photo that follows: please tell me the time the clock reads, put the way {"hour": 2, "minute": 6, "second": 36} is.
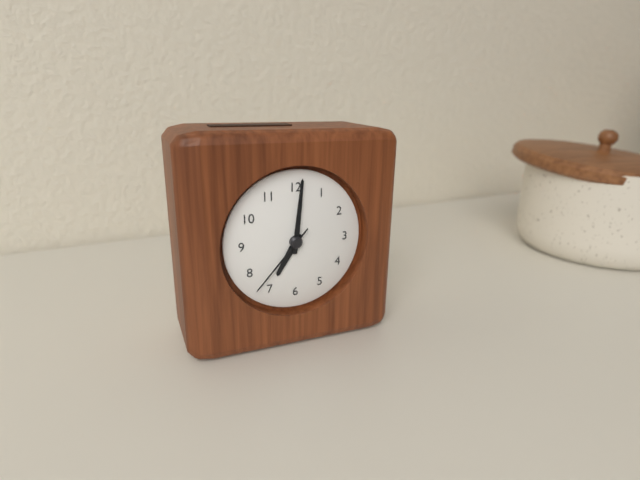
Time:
{"hour": 7, "minute": 1, "second": 37}
